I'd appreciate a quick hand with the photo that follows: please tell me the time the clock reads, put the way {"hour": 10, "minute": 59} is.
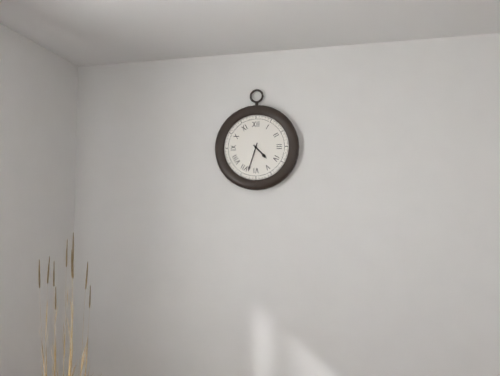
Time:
{"hour": 4, "minute": 33}
